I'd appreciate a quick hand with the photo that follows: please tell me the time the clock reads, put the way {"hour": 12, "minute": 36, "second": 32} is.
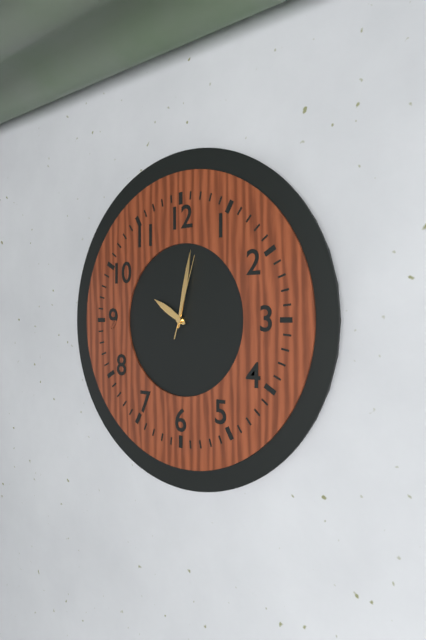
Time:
{"hour": 10, "minute": 2, "second": 3}
